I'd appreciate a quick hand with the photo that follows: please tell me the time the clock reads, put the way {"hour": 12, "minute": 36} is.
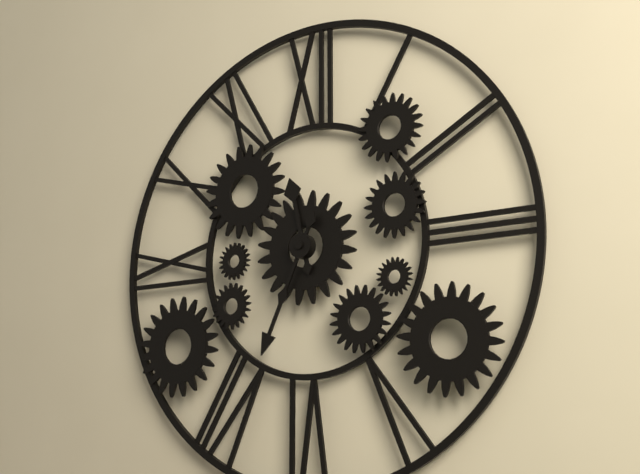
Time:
{"hour": 11, "minute": 34}
